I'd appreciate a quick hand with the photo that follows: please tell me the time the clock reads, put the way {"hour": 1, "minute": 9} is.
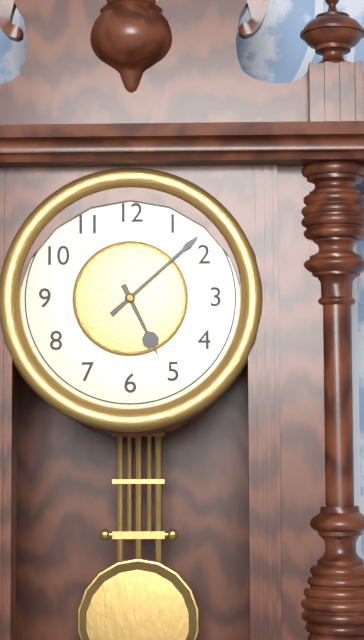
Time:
{"hour": 5, "minute": 8}
